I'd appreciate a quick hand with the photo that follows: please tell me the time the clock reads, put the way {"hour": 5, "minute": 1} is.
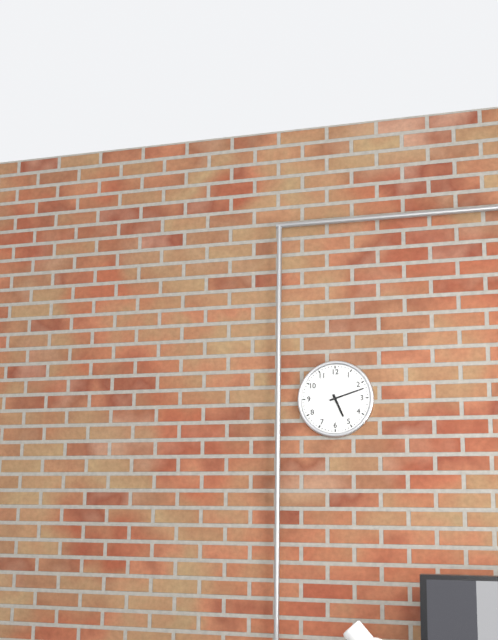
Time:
{"hour": 5, "minute": 12}
